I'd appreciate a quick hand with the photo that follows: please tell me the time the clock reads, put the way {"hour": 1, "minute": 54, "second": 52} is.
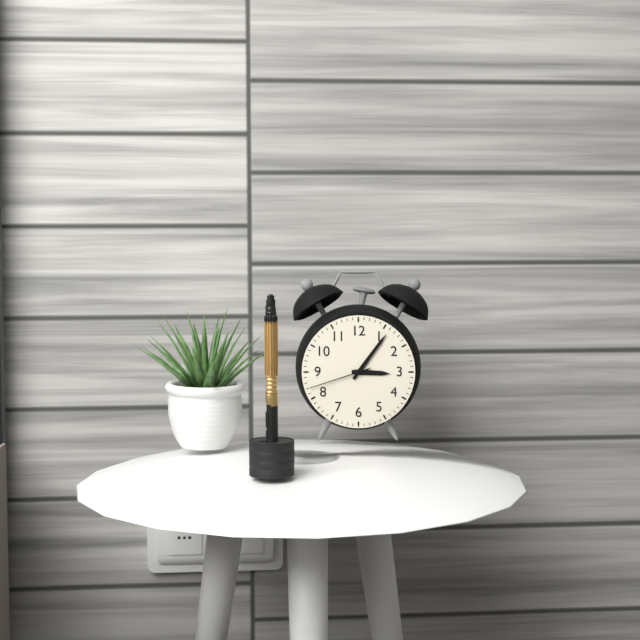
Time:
{"hour": 3, "minute": 6, "second": 42}
